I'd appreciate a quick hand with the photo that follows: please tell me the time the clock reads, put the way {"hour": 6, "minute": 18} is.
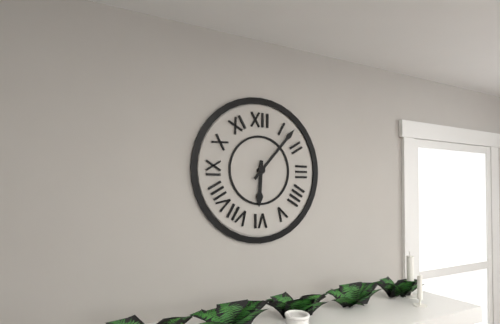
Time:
{"hour": 6, "minute": 7}
